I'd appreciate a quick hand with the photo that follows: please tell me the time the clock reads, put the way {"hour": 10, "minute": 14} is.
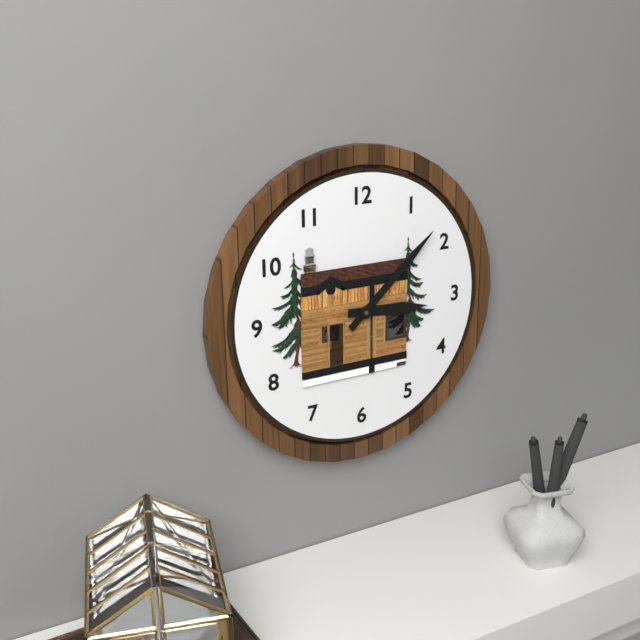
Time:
{"hour": 3, "minute": 8}
